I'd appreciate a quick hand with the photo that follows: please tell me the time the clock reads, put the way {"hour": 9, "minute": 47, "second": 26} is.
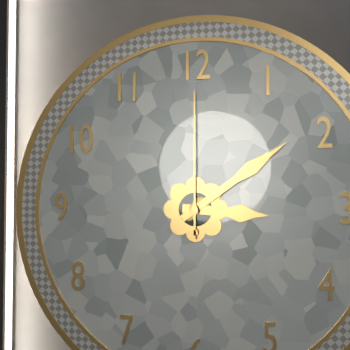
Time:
{"hour": 3, "minute": 9, "second": 0}
